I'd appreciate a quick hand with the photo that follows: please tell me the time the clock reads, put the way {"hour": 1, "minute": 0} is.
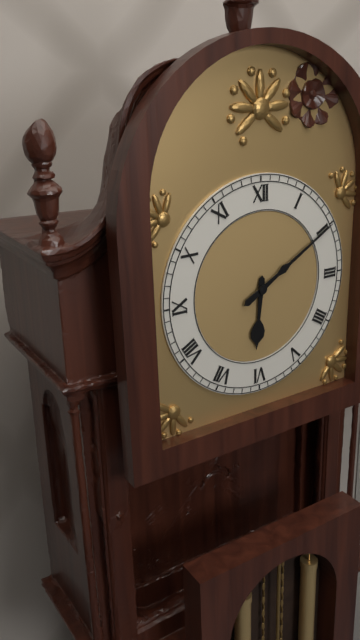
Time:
{"hour": 6, "minute": 10}
